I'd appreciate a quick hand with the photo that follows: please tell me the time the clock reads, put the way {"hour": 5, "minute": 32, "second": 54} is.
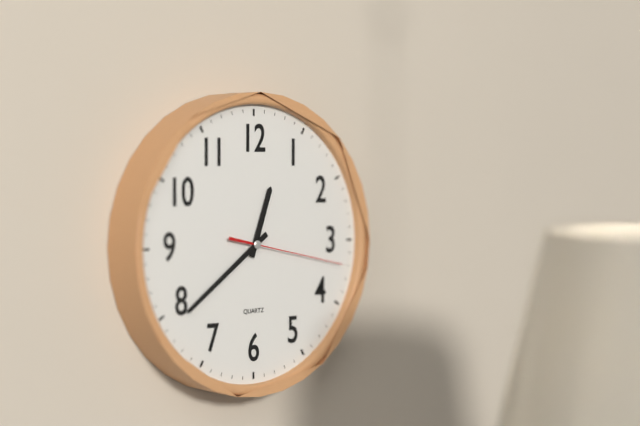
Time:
{"hour": 12, "minute": 39, "second": 17}
